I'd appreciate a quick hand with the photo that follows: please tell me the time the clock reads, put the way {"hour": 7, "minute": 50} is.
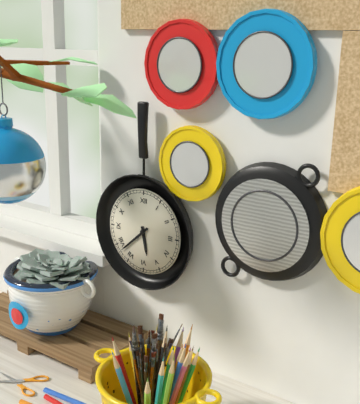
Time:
{"hour": 5, "minute": 38}
